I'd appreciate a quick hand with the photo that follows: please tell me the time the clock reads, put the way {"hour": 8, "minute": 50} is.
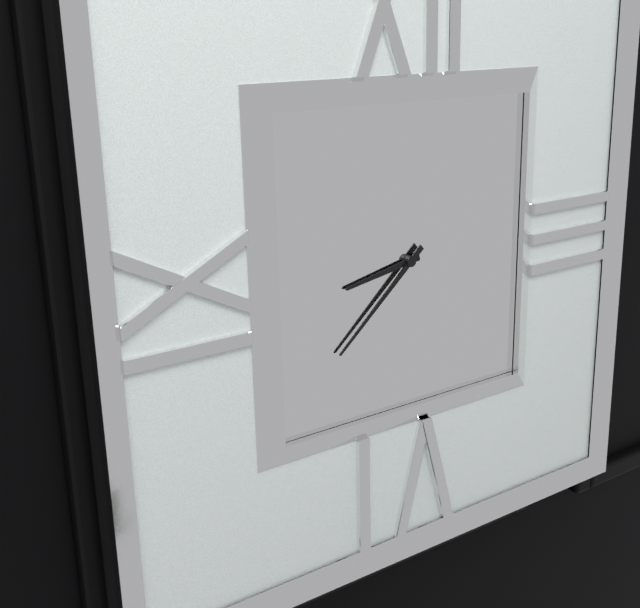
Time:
{"hour": 8, "minute": 38}
